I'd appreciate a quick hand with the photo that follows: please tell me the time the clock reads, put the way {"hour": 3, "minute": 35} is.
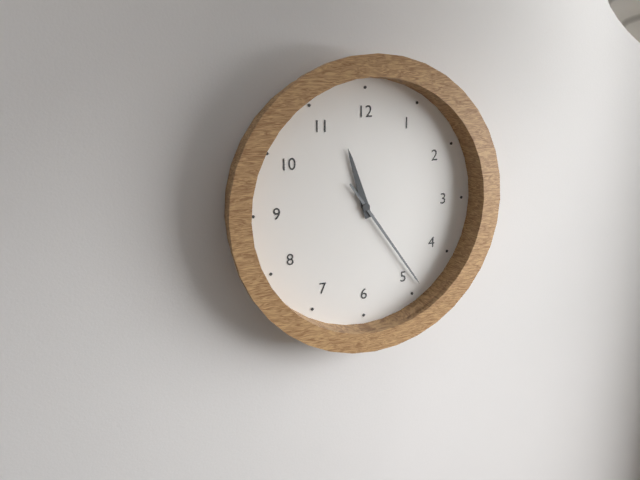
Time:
{"hour": 11, "minute": 24}
